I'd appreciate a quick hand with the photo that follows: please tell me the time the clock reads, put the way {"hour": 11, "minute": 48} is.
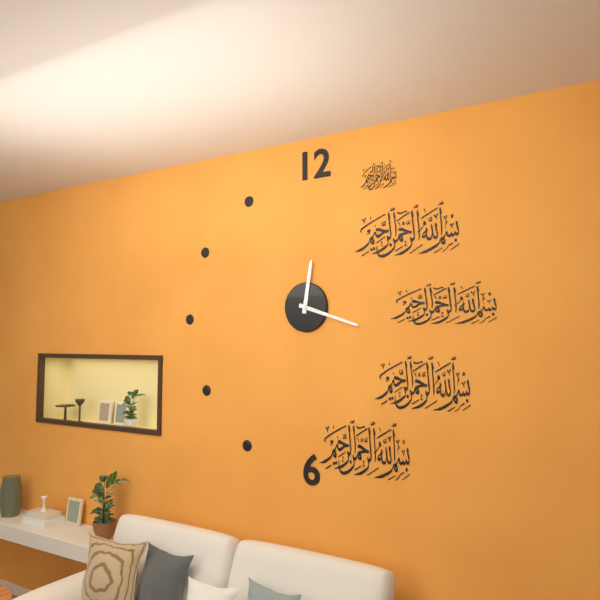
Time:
{"hour": 12, "minute": 18}
